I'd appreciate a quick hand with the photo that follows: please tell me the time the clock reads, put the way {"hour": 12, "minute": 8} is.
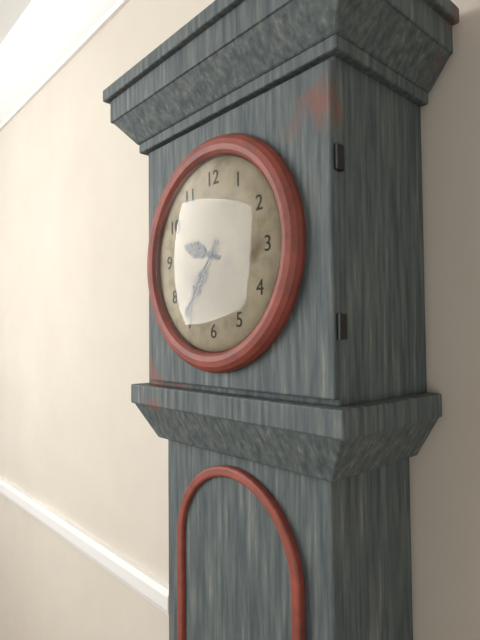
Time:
{"hour": 9, "minute": 36}
